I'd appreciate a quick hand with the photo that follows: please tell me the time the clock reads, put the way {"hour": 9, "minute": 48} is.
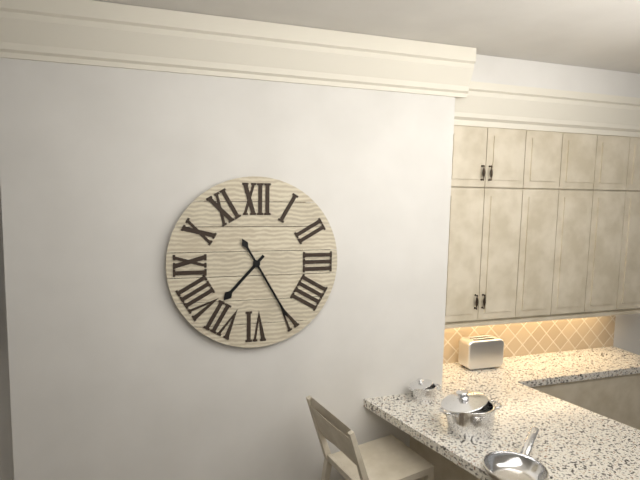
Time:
{"hour": 7, "minute": 25}
